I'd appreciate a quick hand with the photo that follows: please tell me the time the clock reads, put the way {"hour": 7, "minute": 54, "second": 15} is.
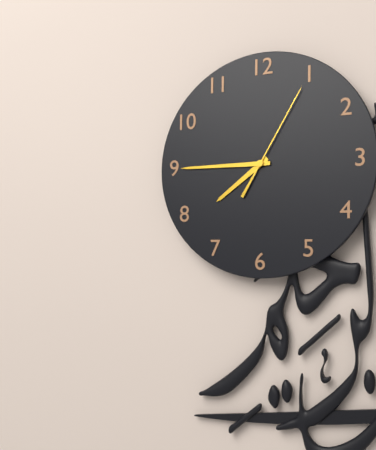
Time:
{"hour": 7, "minute": 45, "second": 5}
